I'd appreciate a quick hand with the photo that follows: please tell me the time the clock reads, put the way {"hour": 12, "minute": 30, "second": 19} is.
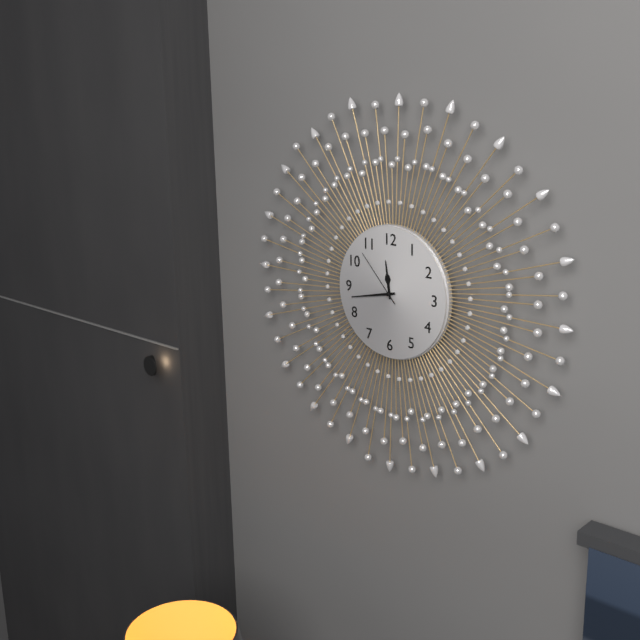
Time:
{"hour": 11, "minute": 43, "second": 53}
